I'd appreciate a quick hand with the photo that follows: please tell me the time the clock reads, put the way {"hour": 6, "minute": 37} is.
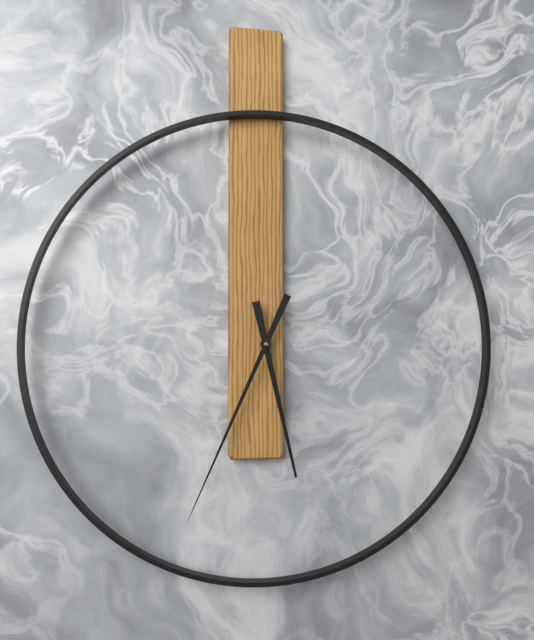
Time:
{"hour": 5, "minute": 34}
